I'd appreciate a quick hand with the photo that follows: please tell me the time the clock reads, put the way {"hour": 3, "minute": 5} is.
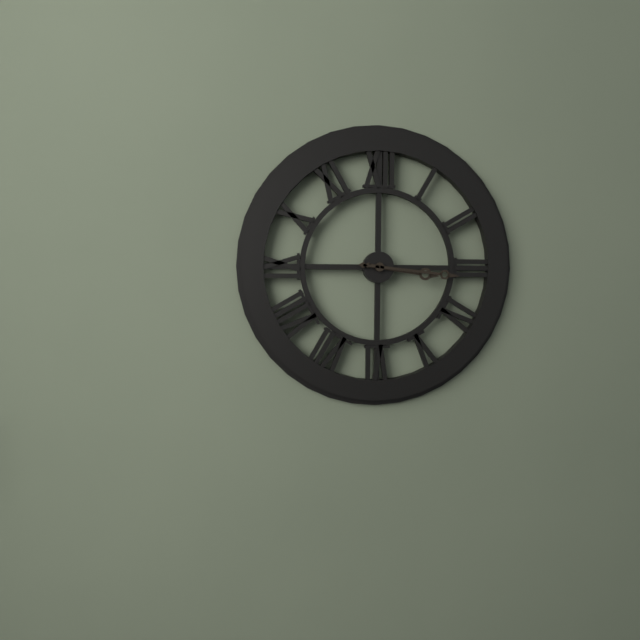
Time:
{"hour": 3, "minute": 16}
